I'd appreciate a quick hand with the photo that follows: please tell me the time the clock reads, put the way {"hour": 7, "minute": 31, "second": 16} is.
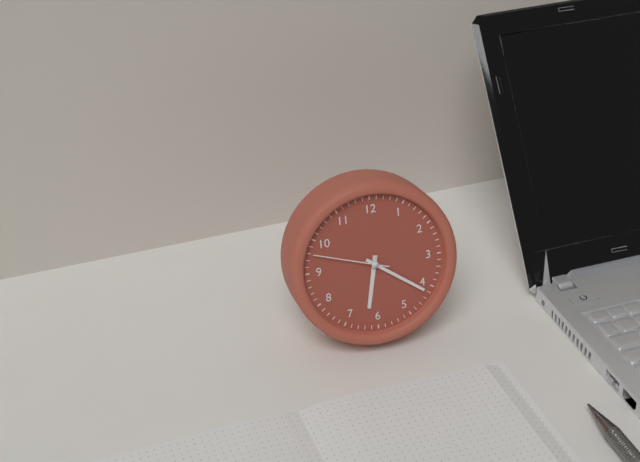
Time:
{"hour": 6, "minute": 21, "second": 48}
